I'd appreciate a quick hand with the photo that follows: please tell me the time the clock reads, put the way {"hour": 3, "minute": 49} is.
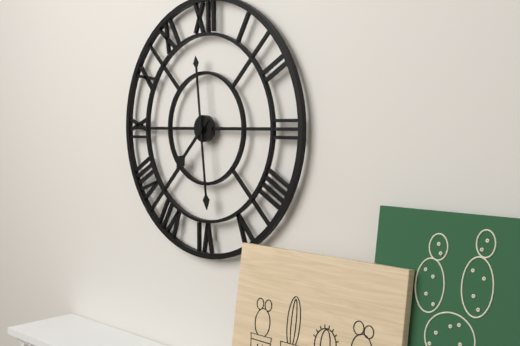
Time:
{"hour": 7, "minute": 29}
